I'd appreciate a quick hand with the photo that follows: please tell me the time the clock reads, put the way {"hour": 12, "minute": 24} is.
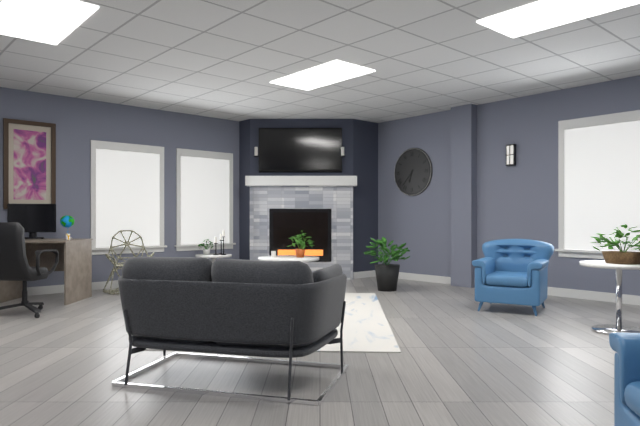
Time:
{"hour": 6, "minute": 37}
